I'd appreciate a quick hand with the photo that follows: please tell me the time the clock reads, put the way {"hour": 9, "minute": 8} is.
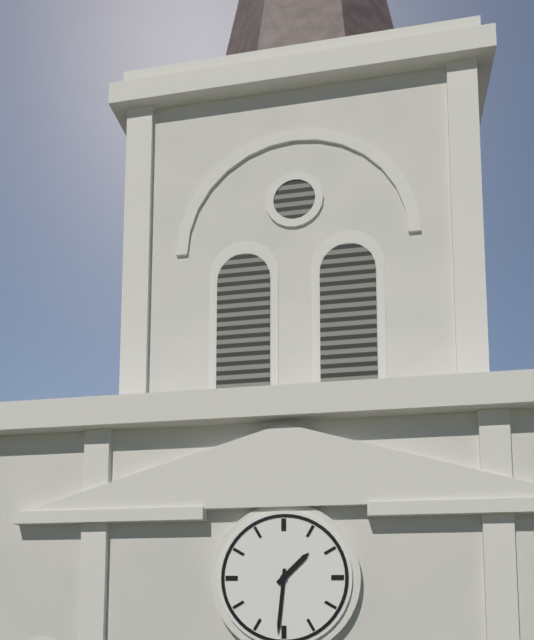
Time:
{"hour": 1, "minute": 31}
